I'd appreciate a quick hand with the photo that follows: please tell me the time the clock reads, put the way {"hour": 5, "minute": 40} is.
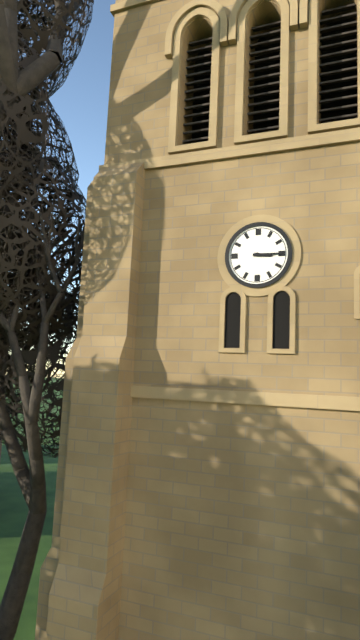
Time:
{"hour": 3, "minute": 15}
